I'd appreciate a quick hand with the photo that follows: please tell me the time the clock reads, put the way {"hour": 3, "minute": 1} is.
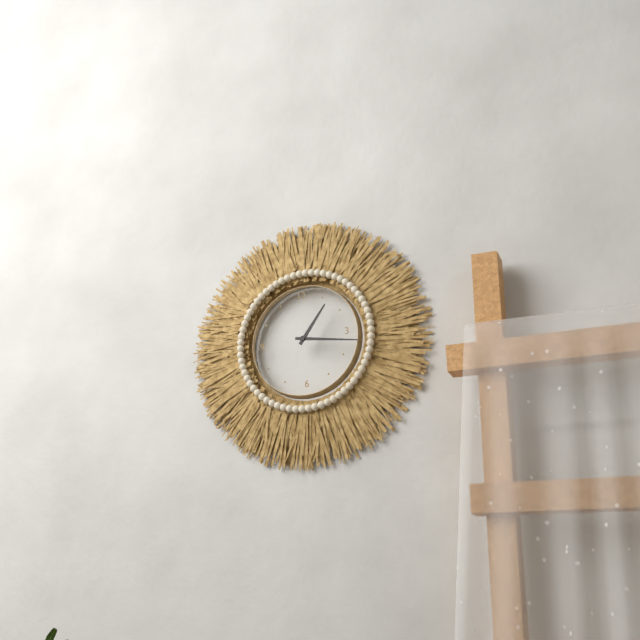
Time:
{"hour": 1, "minute": 17}
